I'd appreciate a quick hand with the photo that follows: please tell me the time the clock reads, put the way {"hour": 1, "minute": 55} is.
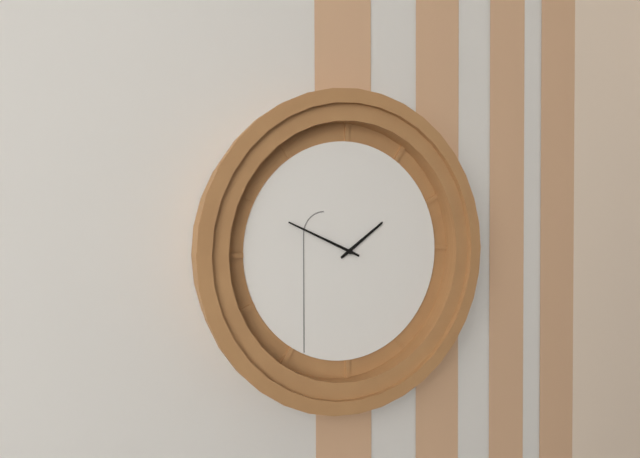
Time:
{"hour": 1, "minute": 49}
